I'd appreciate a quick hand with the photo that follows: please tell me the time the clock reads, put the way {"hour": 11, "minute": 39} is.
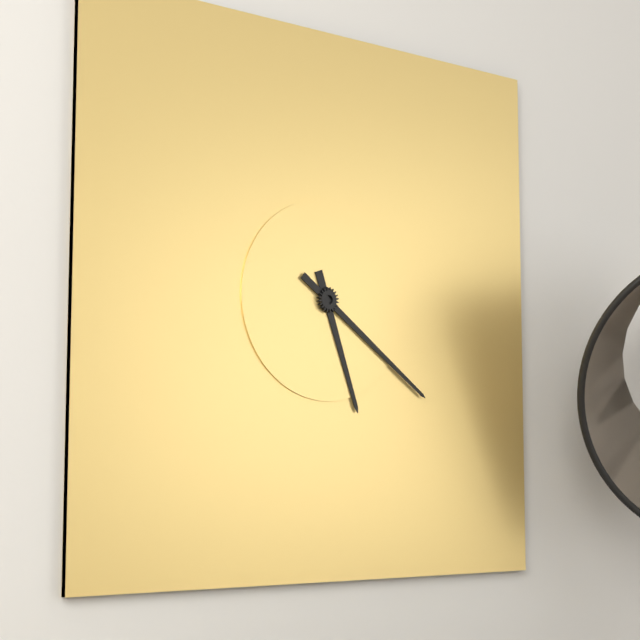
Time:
{"hour": 5, "minute": 21}
